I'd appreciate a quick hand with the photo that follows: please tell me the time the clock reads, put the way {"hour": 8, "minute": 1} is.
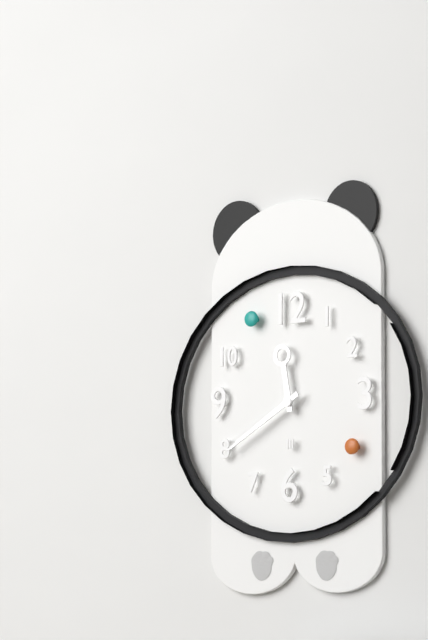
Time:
{"hour": 11, "minute": 40}
